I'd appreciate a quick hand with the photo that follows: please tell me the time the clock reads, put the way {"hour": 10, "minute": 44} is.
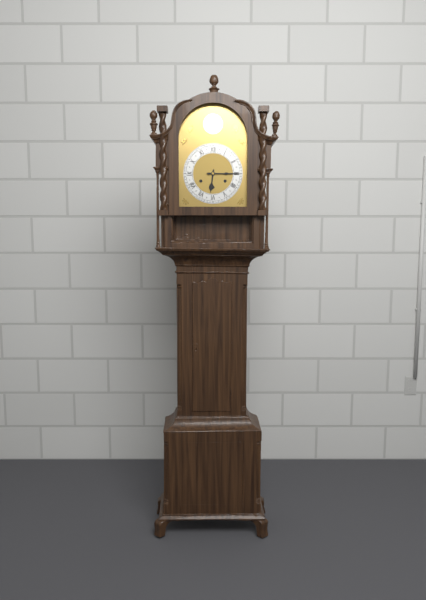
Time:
{"hour": 6, "minute": 15}
